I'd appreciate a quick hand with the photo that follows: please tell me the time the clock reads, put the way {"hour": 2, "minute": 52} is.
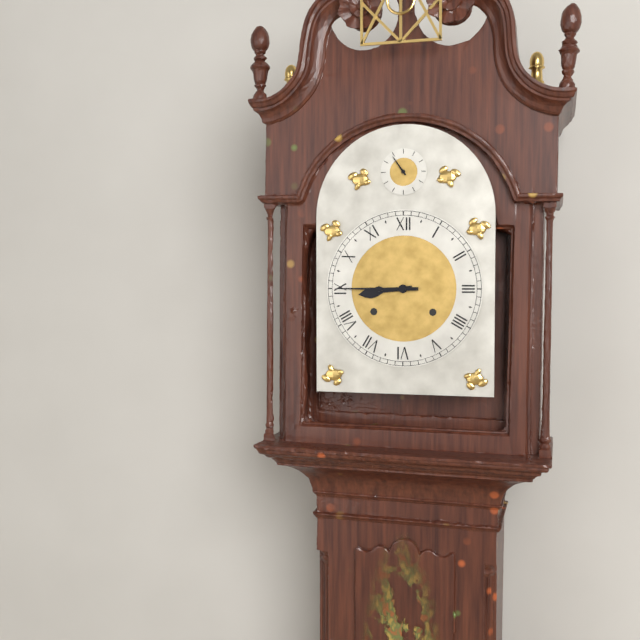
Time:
{"hour": 8, "minute": 45}
